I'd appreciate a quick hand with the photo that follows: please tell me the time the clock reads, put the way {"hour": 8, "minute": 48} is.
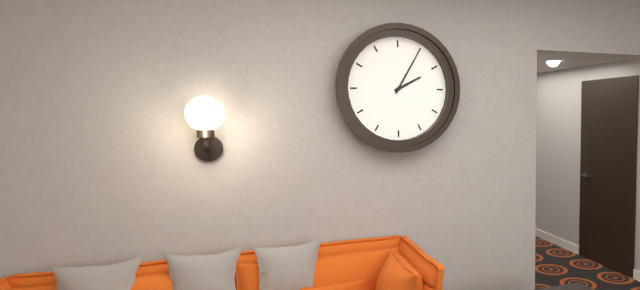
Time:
{"hour": 2, "minute": 5}
